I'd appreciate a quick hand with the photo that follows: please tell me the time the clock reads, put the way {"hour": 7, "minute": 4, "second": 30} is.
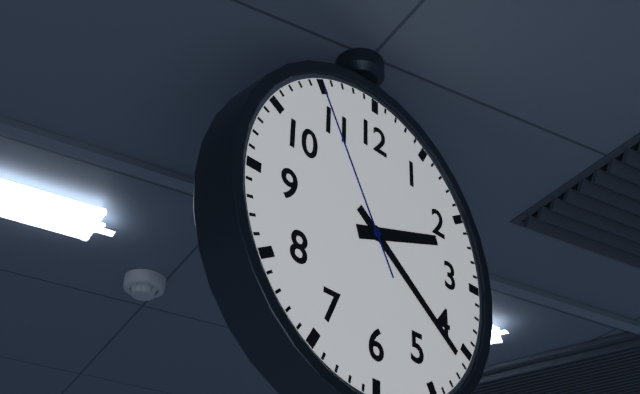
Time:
{"hour": 2, "minute": 21, "second": 55}
